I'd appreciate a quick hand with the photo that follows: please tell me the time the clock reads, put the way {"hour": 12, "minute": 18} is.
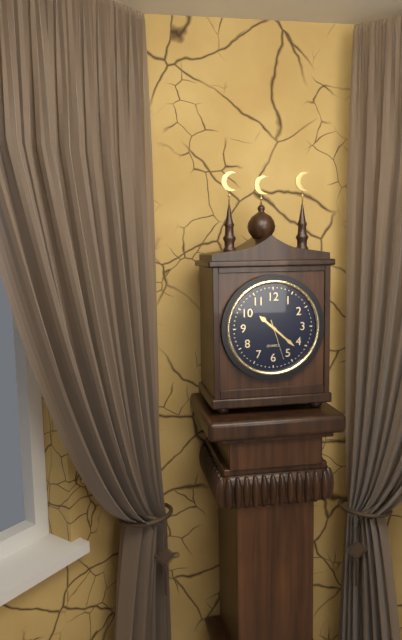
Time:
{"hour": 10, "minute": 22}
